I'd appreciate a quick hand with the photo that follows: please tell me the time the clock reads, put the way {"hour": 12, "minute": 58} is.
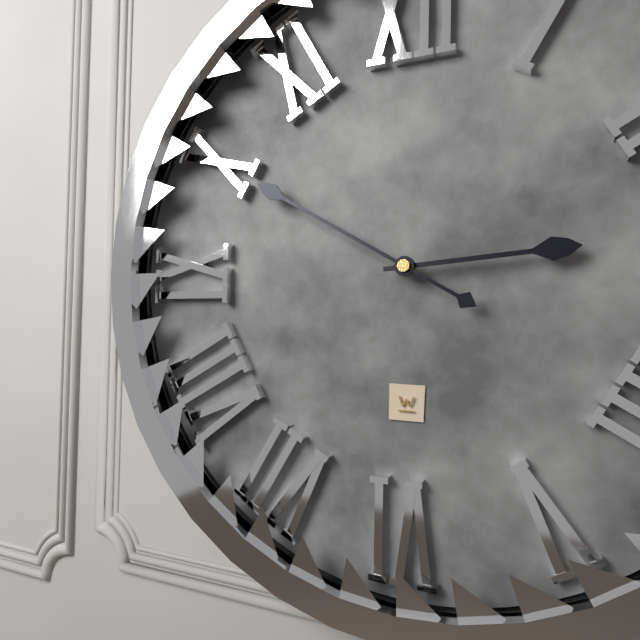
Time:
{"hour": 2, "minute": 50}
